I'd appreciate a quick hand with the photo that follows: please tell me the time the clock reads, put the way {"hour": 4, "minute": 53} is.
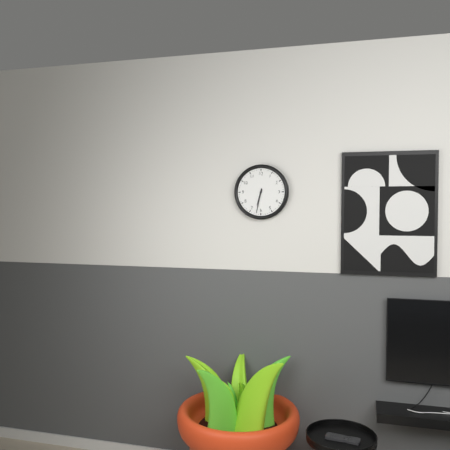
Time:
{"hour": 6, "minute": 32}
